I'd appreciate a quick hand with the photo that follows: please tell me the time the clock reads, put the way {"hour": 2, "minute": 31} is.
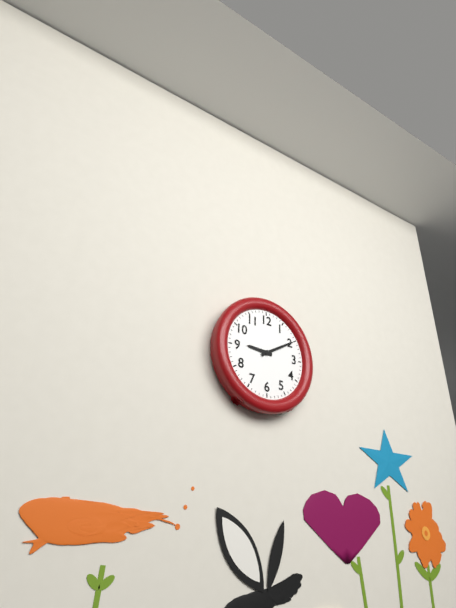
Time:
{"hour": 9, "minute": 10}
